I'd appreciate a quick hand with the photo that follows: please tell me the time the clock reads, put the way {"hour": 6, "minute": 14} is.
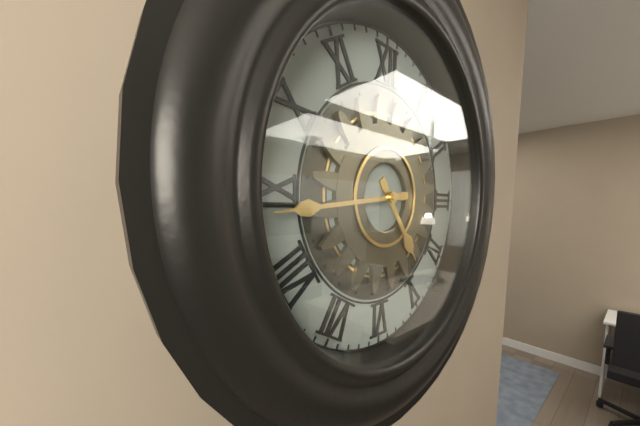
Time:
{"hour": 4, "minute": 44}
